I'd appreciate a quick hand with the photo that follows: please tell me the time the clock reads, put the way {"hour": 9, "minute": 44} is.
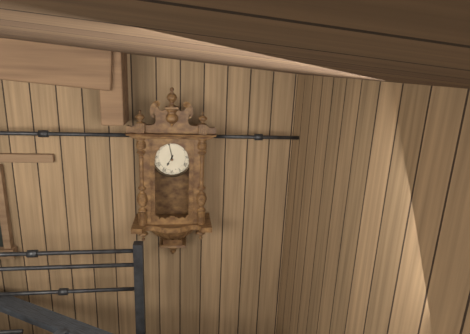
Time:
{"hour": 6, "minute": 58}
